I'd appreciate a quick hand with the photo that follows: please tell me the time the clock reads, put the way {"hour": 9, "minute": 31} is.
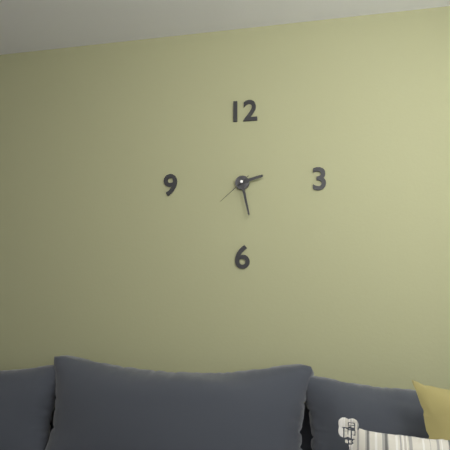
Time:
{"hour": 2, "minute": 28}
